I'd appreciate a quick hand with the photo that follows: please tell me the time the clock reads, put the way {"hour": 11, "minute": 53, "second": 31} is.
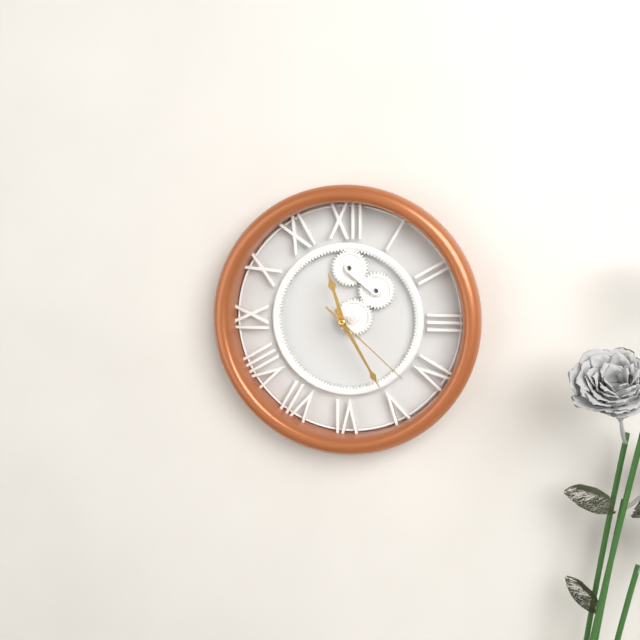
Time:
{"hour": 11, "minute": 25, "second": 22}
